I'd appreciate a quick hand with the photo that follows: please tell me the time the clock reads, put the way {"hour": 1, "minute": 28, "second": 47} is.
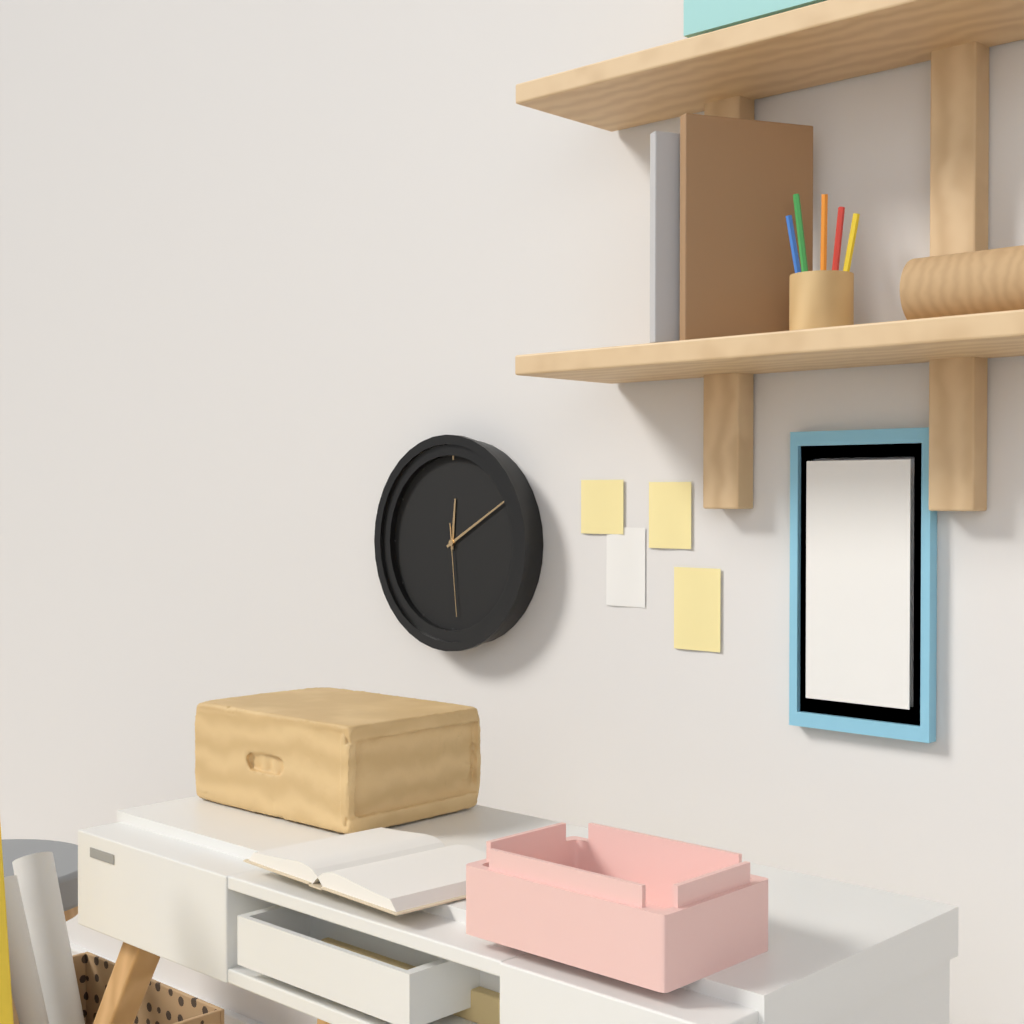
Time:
{"hour": 12, "minute": 10, "second": 29}
